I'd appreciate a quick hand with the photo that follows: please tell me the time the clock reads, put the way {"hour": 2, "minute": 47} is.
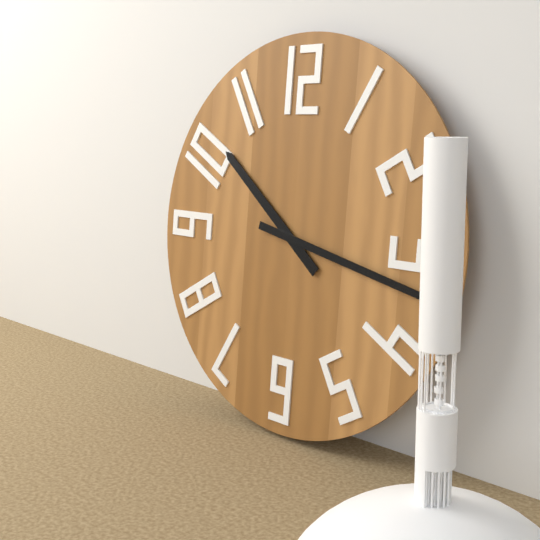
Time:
{"hour": 10, "minute": 17}
